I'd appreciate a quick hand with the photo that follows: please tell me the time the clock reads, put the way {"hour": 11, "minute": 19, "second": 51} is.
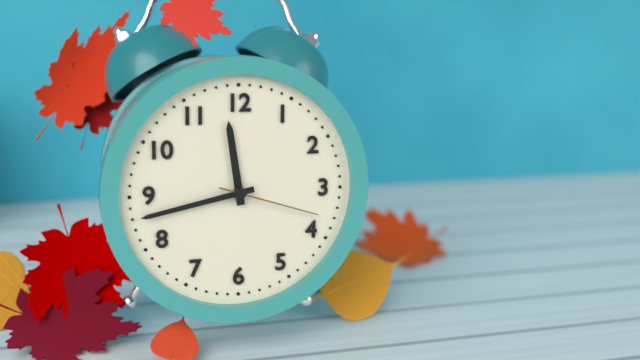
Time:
{"hour": 11, "minute": 43, "second": 18}
